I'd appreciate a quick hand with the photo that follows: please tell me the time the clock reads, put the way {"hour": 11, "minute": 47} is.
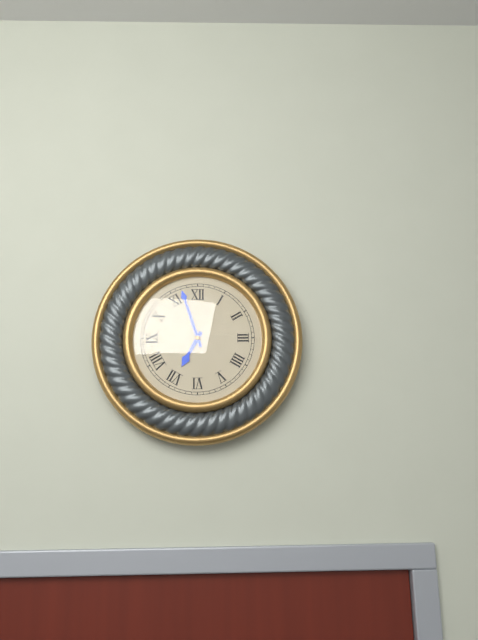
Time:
{"hour": 6, "minute": 57}
